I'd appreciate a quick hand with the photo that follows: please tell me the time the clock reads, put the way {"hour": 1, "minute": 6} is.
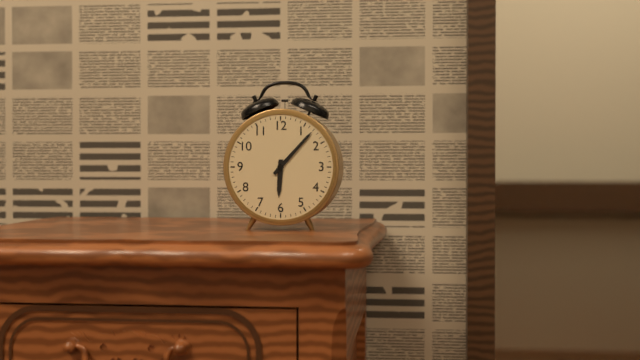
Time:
{"hour": 6, "minute": 7}
